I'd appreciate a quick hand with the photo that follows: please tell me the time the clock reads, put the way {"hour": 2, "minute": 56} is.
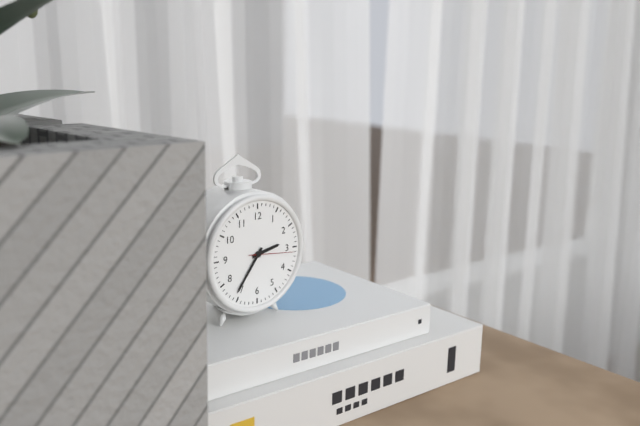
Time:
{"hour": 2, "minute": 36}
